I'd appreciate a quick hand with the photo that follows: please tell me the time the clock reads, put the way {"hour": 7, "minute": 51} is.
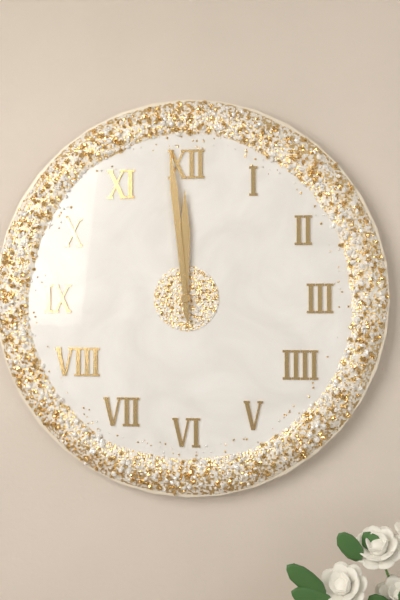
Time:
{"hour": 11, "minute": 59}
